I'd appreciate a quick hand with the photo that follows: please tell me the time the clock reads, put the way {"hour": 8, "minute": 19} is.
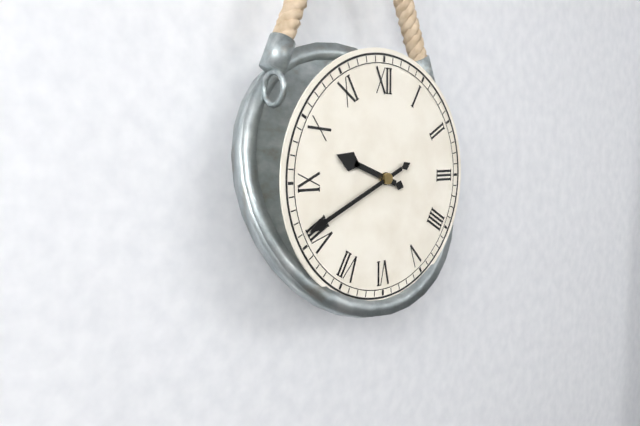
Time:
{"hour": 9, "minute": 41}
